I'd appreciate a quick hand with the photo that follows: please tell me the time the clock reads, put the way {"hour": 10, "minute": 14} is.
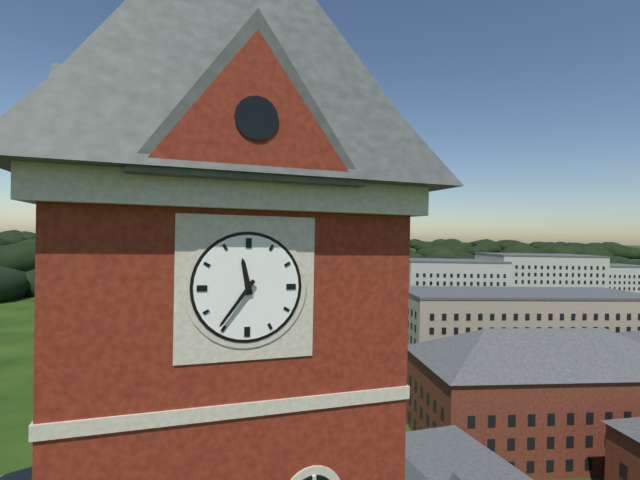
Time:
{"hour": 11, "minute": 36}
